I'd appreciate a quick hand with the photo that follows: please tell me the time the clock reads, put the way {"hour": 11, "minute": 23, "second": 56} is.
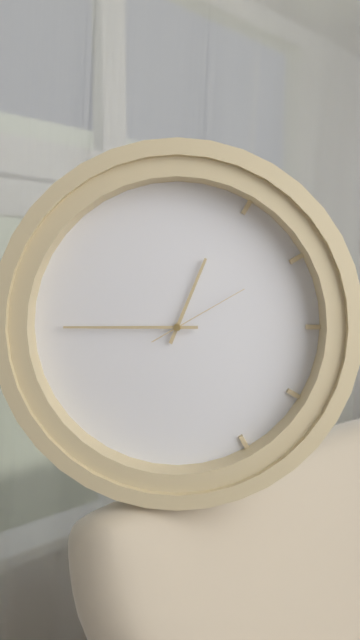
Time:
{"hour": 12, "minute": 45, "second": 10}
